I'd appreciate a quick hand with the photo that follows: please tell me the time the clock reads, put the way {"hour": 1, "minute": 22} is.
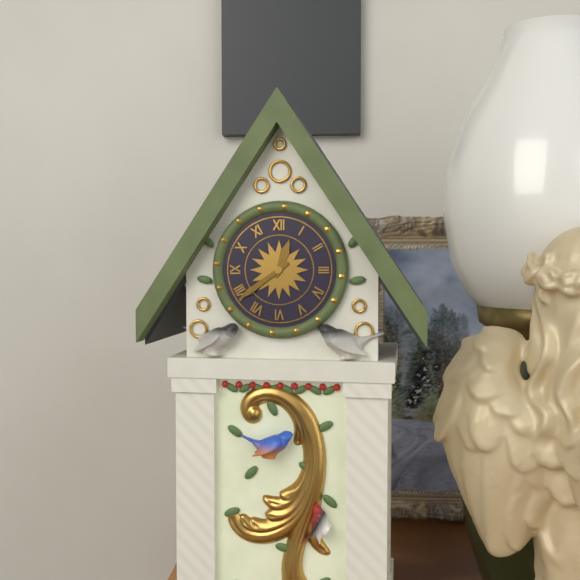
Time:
{"hour": 12, "minute": 39}
